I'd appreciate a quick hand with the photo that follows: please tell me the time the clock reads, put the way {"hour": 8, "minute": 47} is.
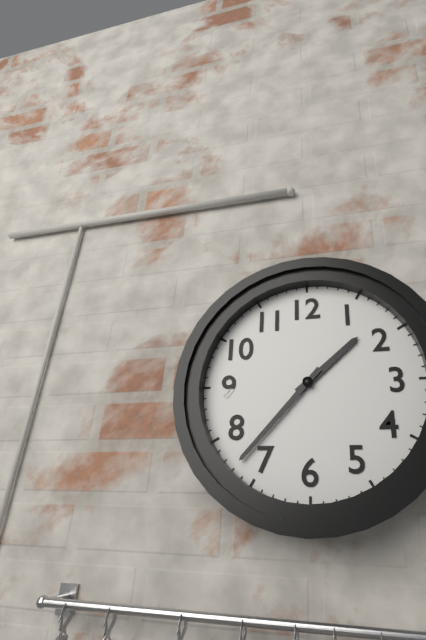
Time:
{"hour": 1, "minute": 37}
